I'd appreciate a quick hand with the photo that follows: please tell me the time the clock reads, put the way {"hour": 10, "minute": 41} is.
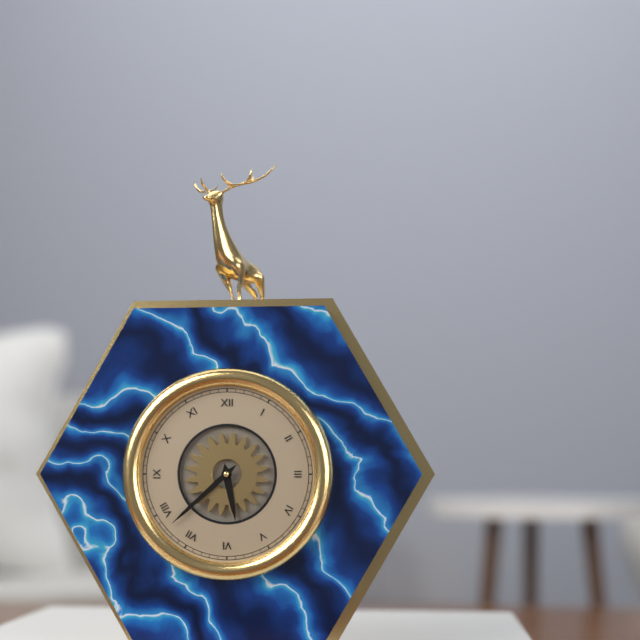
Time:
{"hour": 5, "minute": 38}
